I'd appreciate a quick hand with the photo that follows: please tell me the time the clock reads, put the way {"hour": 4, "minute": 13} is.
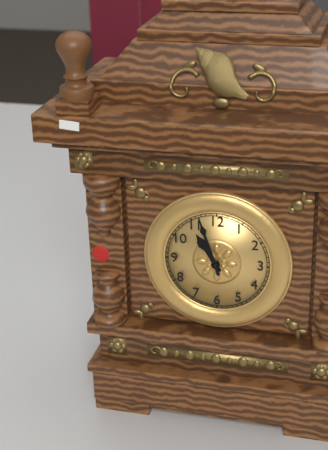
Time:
{"hour": 10, "minute": 57}
